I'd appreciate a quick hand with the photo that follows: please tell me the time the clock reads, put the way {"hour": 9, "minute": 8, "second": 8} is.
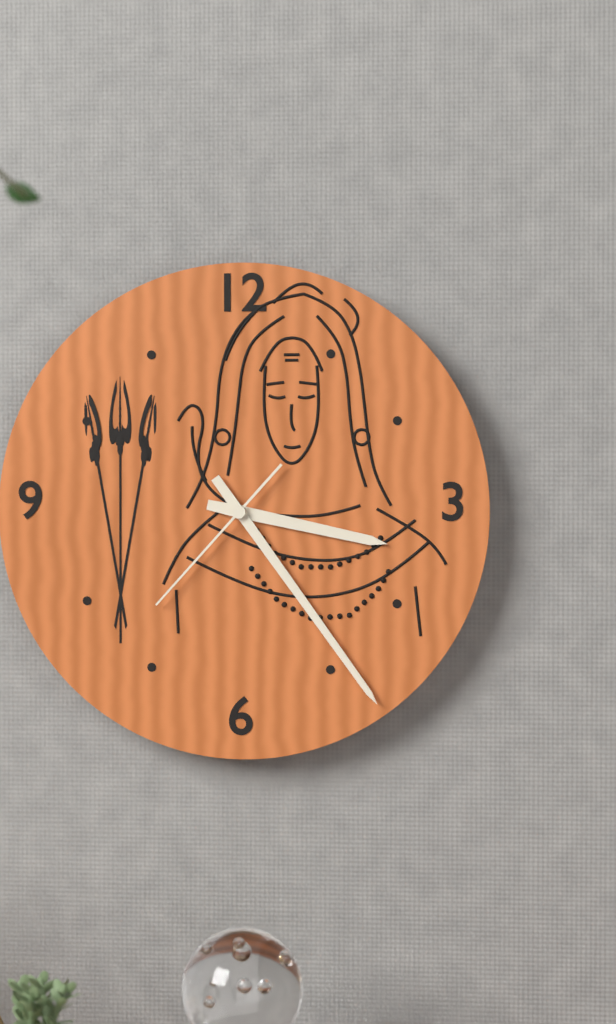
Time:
{"hour": 3, "minute": 24, "second": 37}
